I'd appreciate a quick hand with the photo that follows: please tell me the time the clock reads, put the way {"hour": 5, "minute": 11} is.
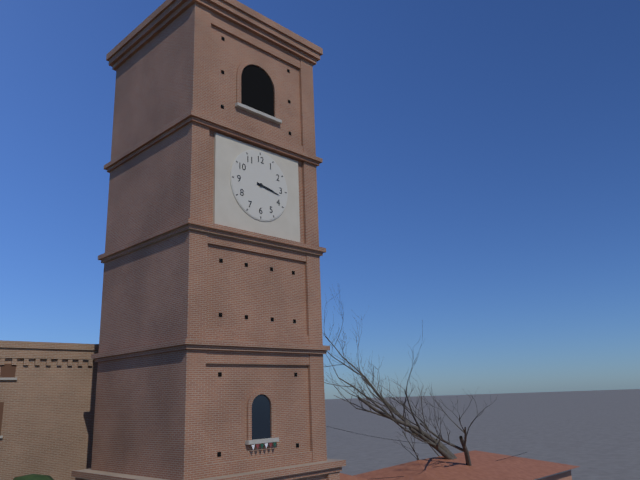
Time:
{"hour": 3, "minute": 17}
